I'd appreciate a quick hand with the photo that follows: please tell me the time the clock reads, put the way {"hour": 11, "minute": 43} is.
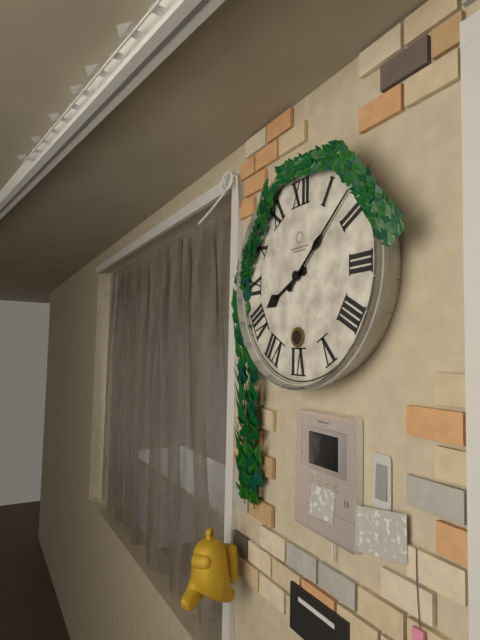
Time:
{"hour": 8, "minute": 8}
